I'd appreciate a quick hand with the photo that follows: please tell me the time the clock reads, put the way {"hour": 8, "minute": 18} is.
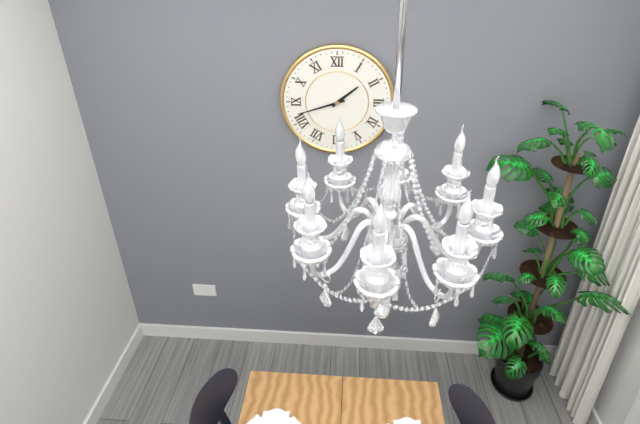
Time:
{"hour": 1, "minute": 42}
